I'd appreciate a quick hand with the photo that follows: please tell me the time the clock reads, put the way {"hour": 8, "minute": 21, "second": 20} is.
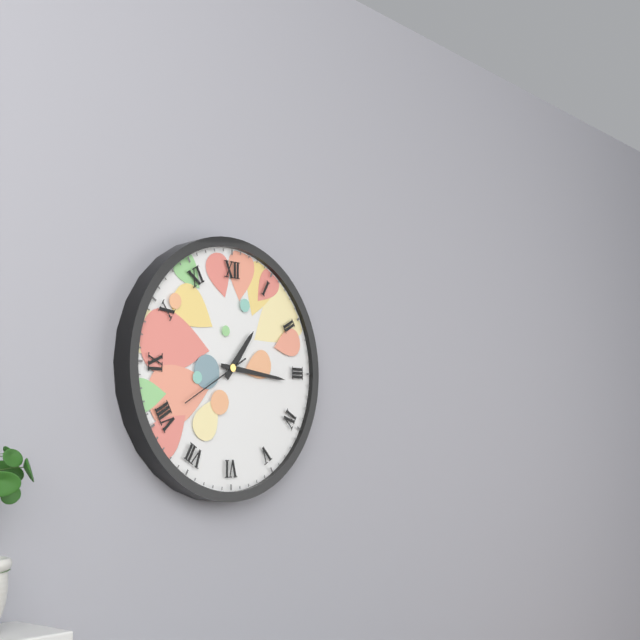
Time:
{"hour": 1, "minute": 16, "second": 40}
